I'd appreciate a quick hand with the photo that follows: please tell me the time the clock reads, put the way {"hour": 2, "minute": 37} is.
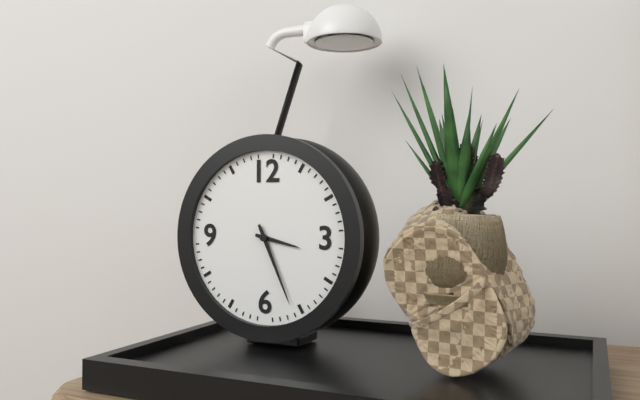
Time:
{"hour": 3, "minute": 26}
